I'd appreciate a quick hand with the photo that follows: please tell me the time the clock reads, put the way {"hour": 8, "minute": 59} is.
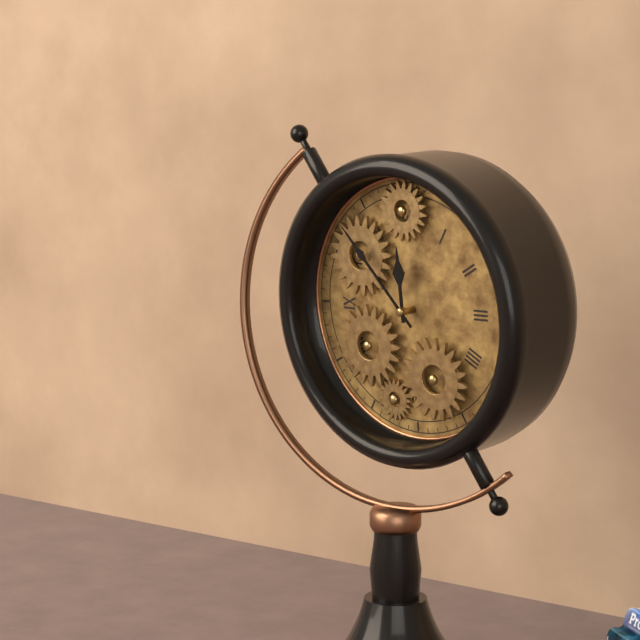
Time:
{"hour": 11, "minute": 53}
